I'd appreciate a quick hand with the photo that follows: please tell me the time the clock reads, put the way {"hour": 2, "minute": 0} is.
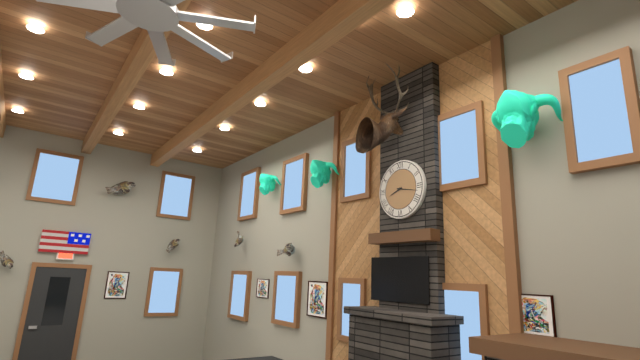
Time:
{"hour": 8, "minute": 17}
